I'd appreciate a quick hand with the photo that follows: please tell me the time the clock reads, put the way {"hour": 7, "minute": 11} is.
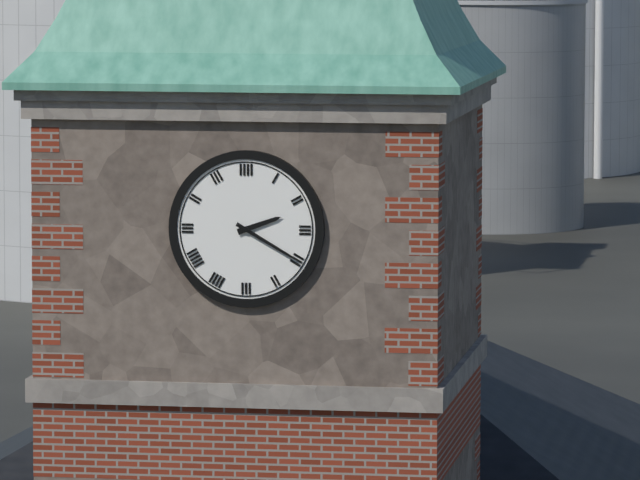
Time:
{"hour": 2, "minute": 20}
